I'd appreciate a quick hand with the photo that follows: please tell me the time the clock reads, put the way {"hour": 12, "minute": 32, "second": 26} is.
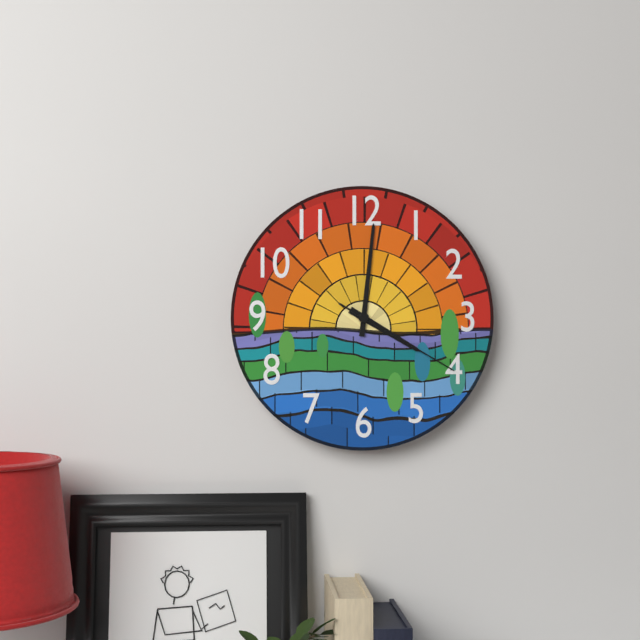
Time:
{"hour": 4, "minute": 1, "second": 20}
